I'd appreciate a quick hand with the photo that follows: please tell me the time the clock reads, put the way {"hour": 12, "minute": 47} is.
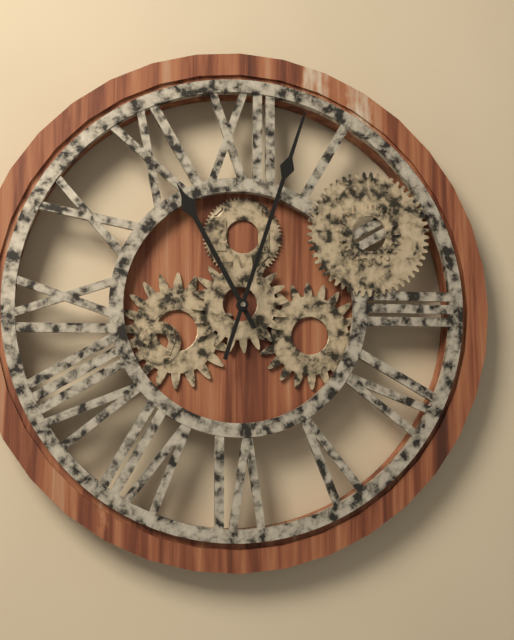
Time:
{"hour": 11, "minute": 3}
